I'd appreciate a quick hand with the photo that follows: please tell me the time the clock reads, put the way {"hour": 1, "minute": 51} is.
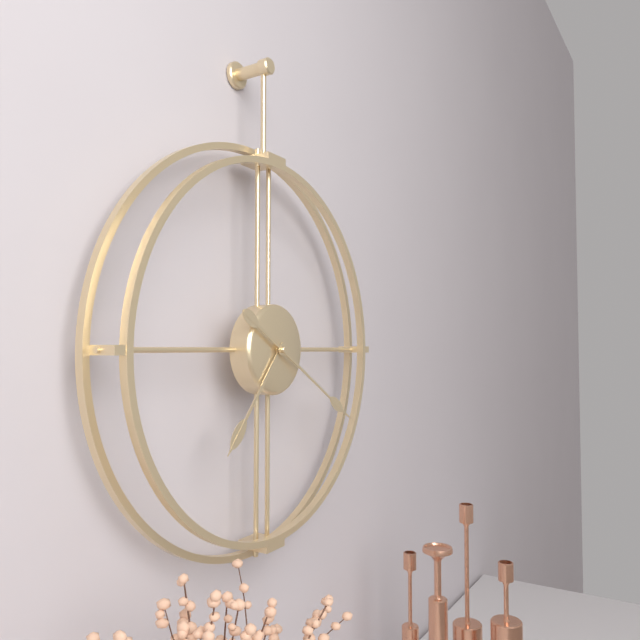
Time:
{"hour": 7, "minute": 20}
